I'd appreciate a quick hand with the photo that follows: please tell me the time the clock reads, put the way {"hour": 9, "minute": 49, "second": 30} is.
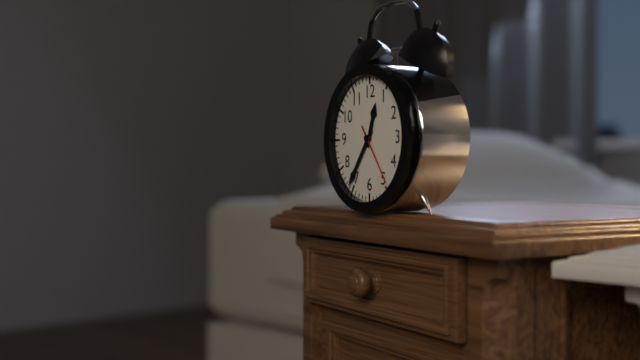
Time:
{"hour": 12, "minute": 36, "second": 24}
